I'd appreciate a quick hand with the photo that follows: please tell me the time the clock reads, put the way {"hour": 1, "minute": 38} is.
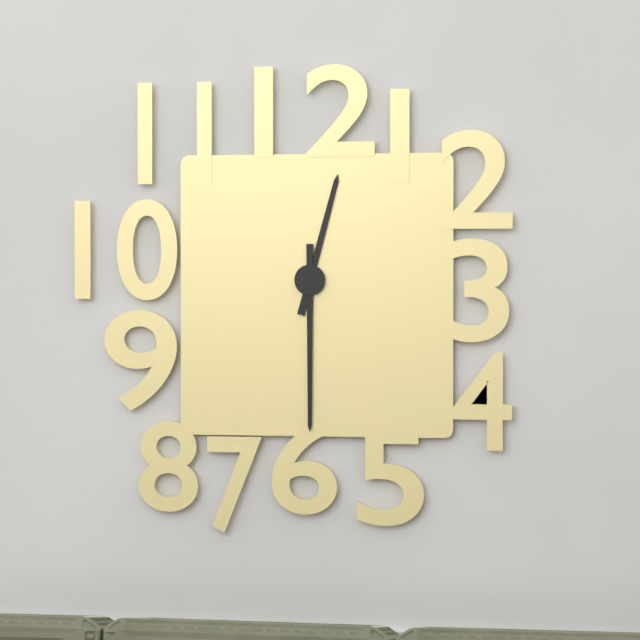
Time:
{"hour": 12, "minute": 30}
